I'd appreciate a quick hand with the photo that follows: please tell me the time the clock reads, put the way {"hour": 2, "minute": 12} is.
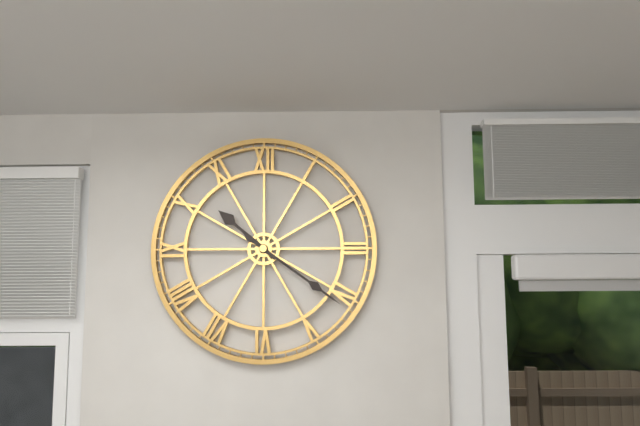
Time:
{"hour": 10, "minute": 21}
